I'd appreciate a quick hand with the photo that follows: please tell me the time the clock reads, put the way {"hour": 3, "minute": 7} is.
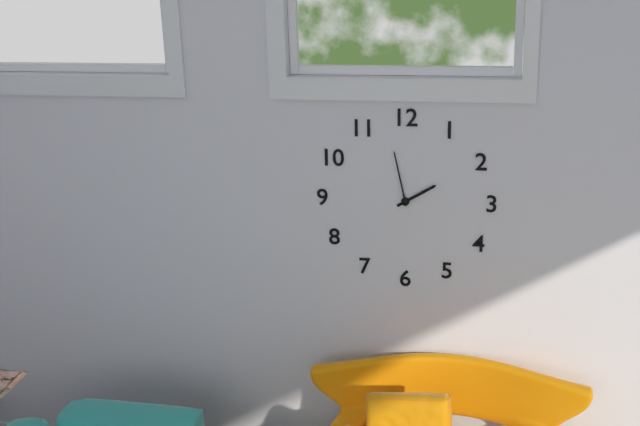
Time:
{"hour": 1, "minute": 58}
